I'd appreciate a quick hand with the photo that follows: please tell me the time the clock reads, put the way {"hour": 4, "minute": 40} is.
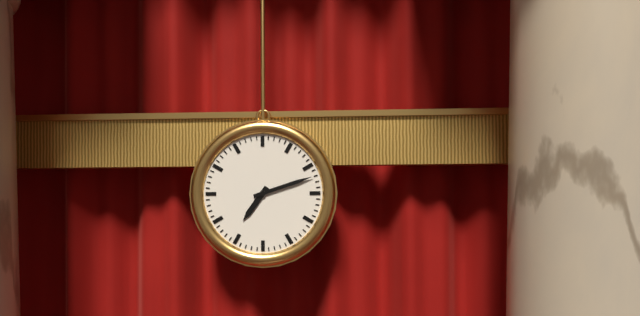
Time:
{"hour": 7, "minute": 12}
